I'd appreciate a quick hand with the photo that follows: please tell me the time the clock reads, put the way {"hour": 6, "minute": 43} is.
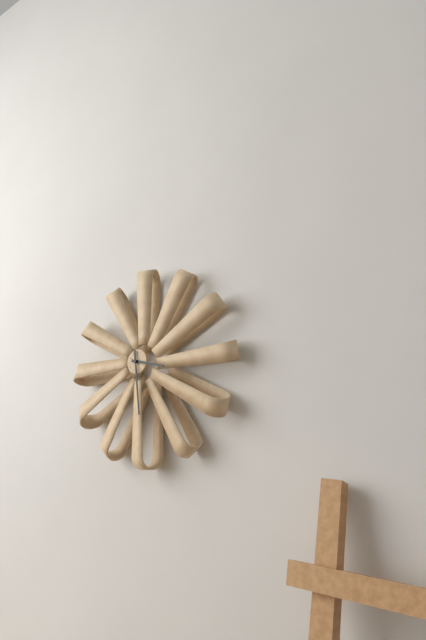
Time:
{"hour": 3, "minute": 29}
